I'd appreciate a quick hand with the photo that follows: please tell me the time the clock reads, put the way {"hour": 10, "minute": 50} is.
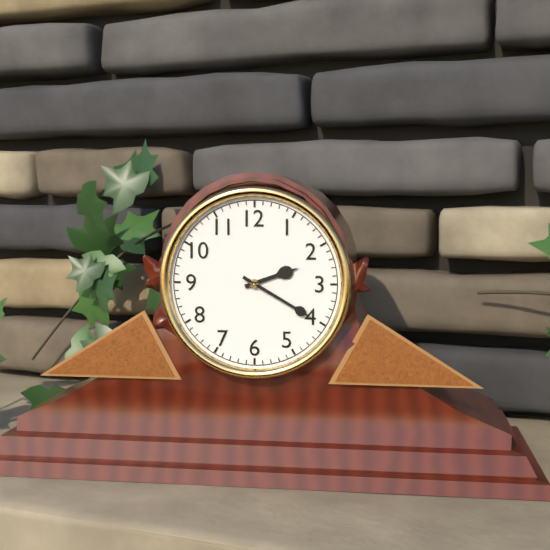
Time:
{"hour": 2, "minute": 20}
